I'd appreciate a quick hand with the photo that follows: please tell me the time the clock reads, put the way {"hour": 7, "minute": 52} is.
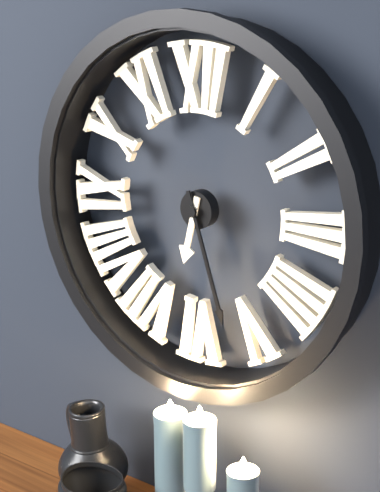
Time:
{"hour": 6, "minute": 27}
